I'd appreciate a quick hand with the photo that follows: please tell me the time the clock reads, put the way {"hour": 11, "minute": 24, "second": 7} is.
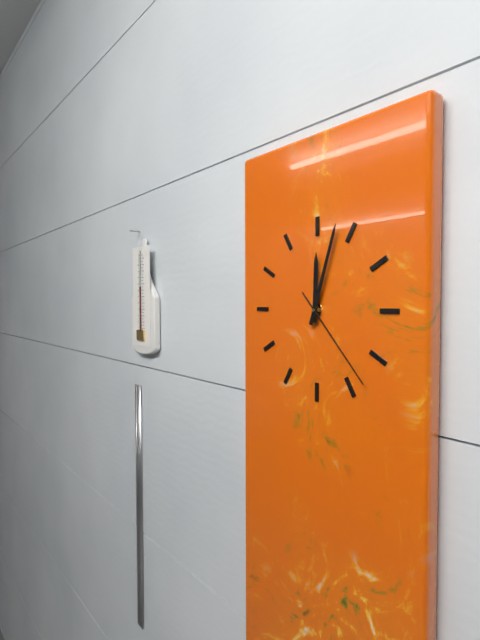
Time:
{"hour": 12, "minute": 3, "second": 23}
